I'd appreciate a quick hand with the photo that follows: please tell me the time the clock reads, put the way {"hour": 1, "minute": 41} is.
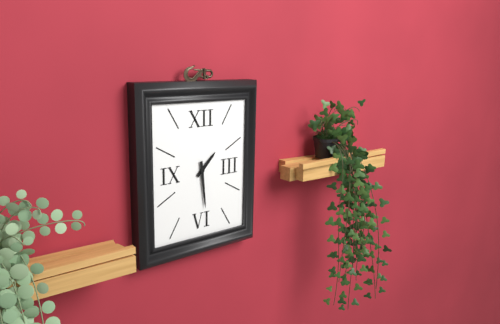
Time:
{"hour": 1, "minute": 29}
